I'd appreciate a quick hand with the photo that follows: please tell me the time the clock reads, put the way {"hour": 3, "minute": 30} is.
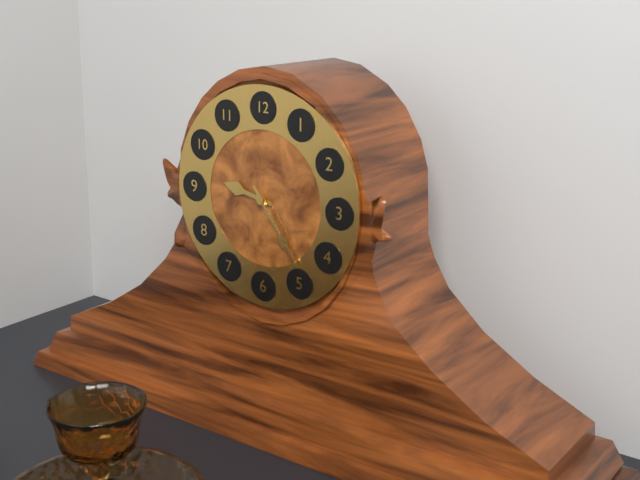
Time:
{"hour": 9, "minute": 24}
